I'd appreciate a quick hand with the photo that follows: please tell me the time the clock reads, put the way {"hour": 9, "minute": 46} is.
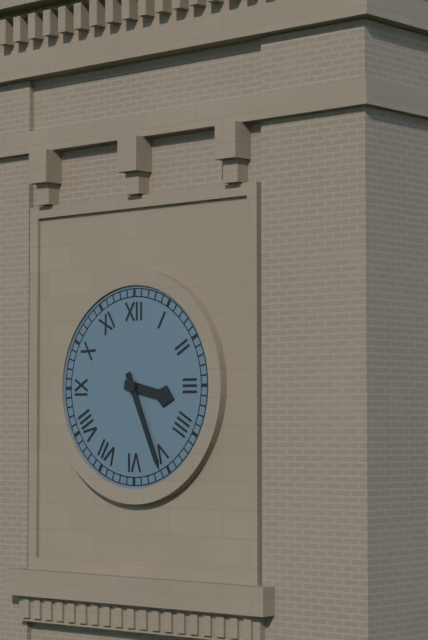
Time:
{"hour": 3, "minute": 26}
